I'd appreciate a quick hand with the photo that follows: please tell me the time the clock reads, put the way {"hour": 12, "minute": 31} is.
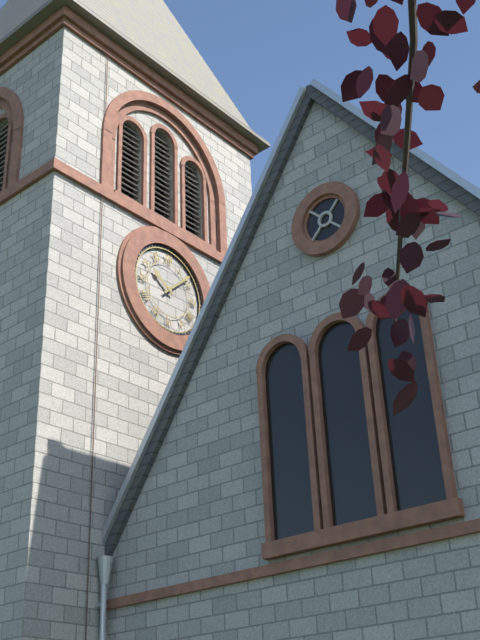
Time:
{"hour": 10, "minute": 8}
